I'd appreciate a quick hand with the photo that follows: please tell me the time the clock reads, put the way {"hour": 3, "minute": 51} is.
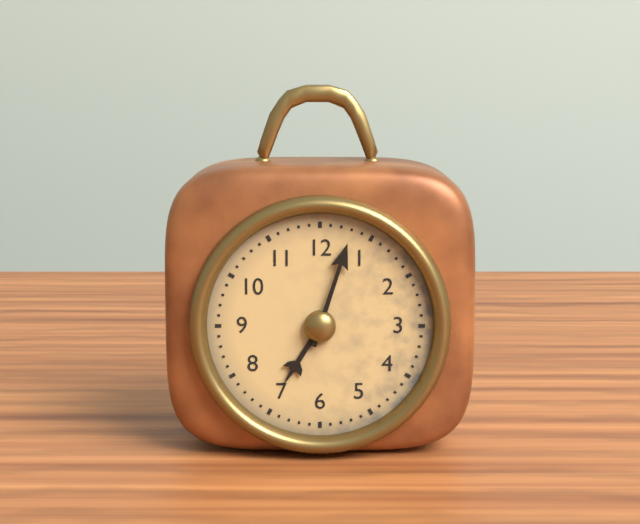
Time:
{"hour": 7, "minute": 3}
